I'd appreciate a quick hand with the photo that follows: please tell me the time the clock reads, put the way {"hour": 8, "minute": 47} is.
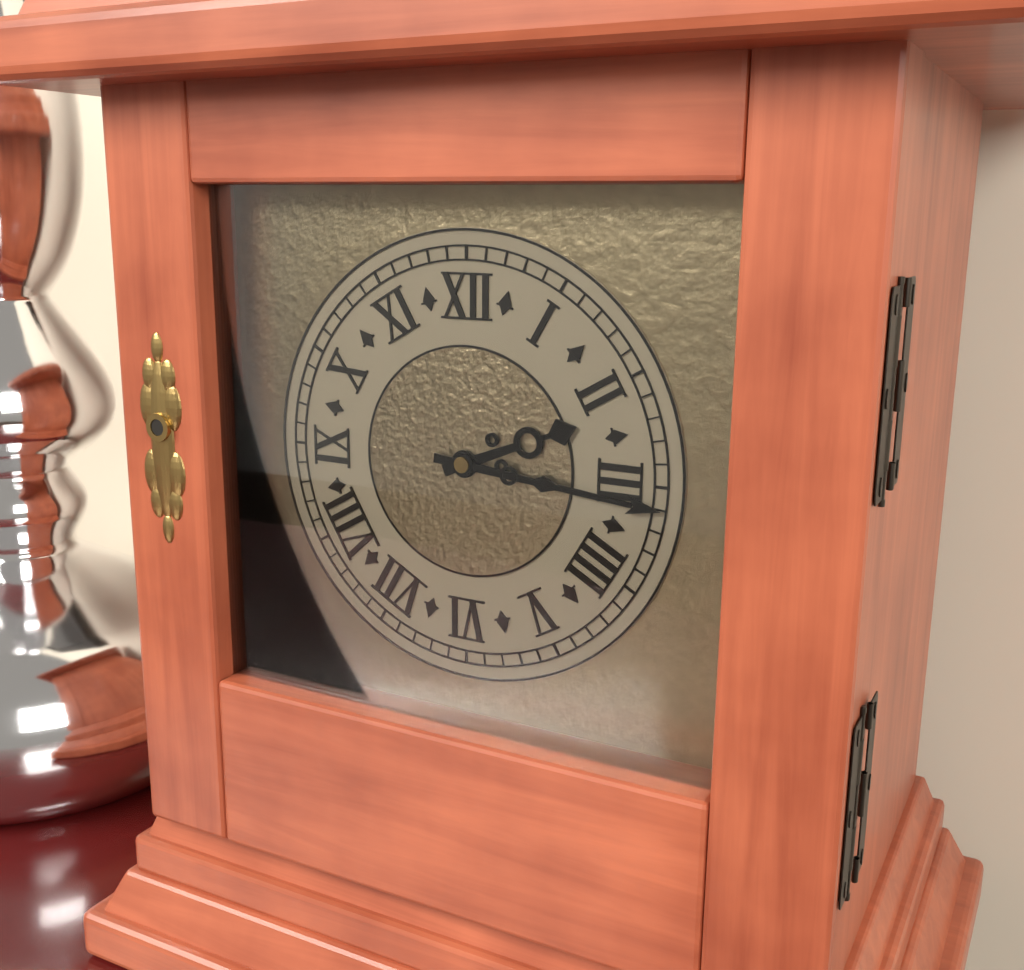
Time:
{"hour": 2, "minute": 16}
